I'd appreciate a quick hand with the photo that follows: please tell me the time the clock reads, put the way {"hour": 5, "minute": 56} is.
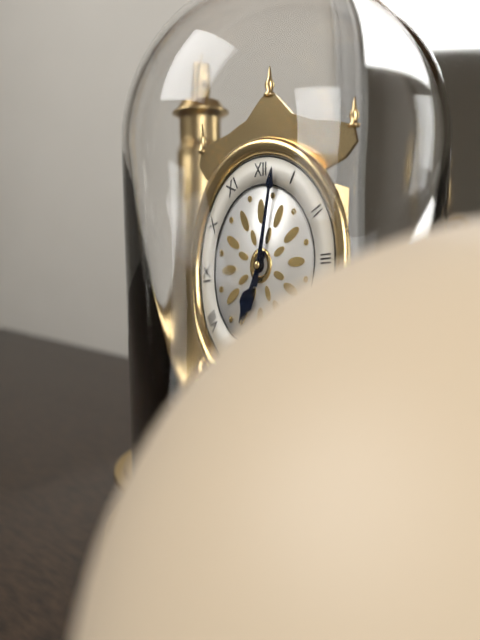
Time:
{"hour": 7, "minute": 2}
